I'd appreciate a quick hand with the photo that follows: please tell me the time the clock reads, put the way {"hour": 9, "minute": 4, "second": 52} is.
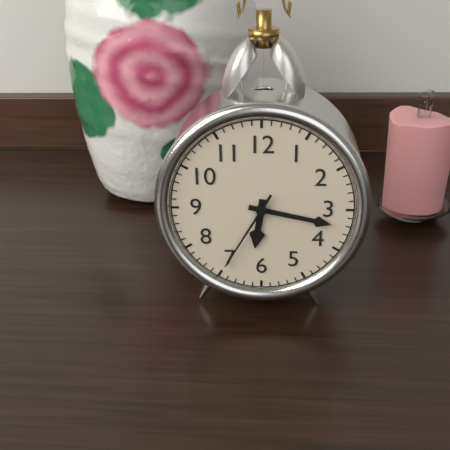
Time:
{"hour": 6, "minute": 17, "second": 35}
